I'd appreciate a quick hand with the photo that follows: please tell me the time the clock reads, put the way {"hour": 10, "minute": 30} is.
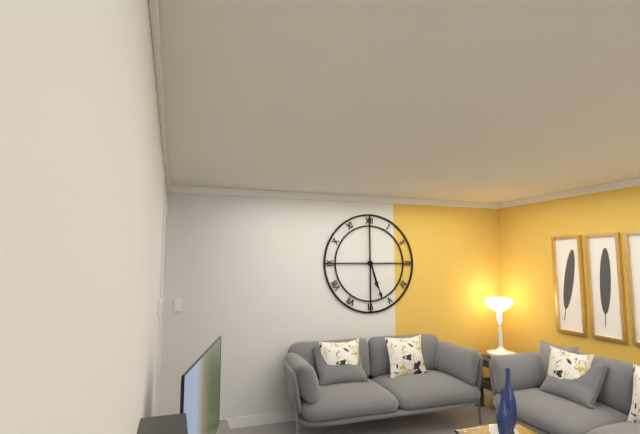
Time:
{"hour": 5, "minute": 27}
